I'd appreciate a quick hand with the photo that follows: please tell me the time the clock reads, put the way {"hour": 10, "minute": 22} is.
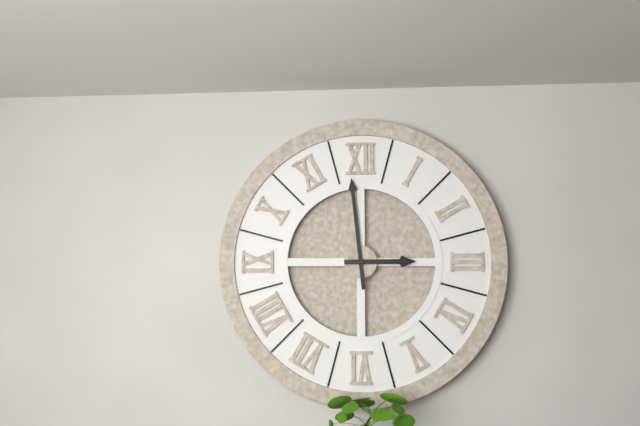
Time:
{"hour": 2, "minute": 59}
